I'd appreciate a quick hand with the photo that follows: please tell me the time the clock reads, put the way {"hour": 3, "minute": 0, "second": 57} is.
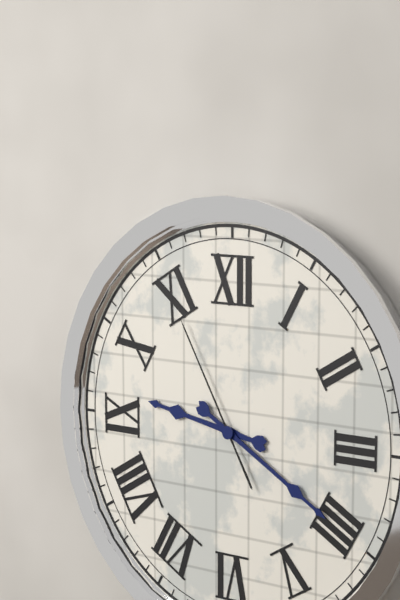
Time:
{"hour": 9, "minute": 20, "second": 55}
